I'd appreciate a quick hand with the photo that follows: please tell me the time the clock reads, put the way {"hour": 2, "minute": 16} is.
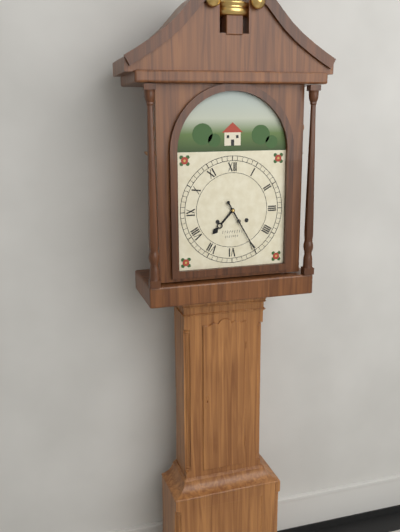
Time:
{"hour": 7, "minute": 25}
